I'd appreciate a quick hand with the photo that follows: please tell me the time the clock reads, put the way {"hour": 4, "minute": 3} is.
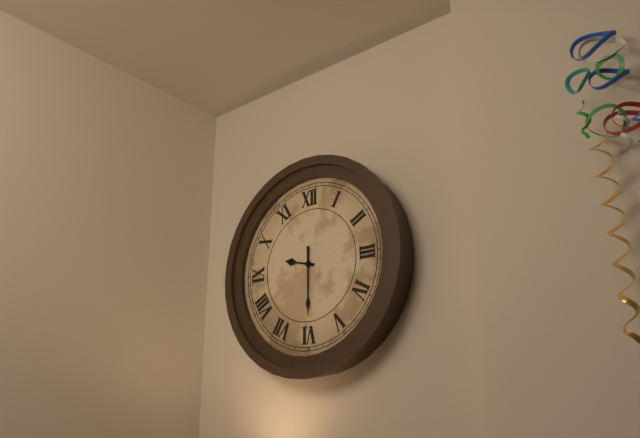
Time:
{"hour": 9, "minute": 30}
